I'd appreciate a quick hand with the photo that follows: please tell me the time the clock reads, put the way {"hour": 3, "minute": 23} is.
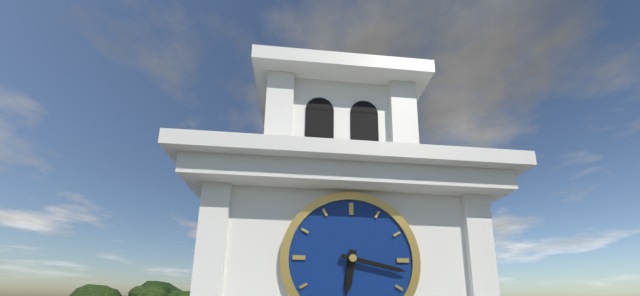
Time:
{"hour": 6, "minute": 17}
